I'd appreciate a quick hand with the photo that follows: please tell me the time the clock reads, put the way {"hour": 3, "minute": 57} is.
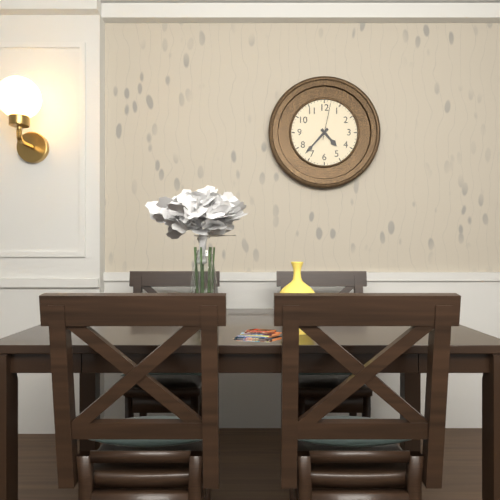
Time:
{"hour": 4, "minute": 37}
